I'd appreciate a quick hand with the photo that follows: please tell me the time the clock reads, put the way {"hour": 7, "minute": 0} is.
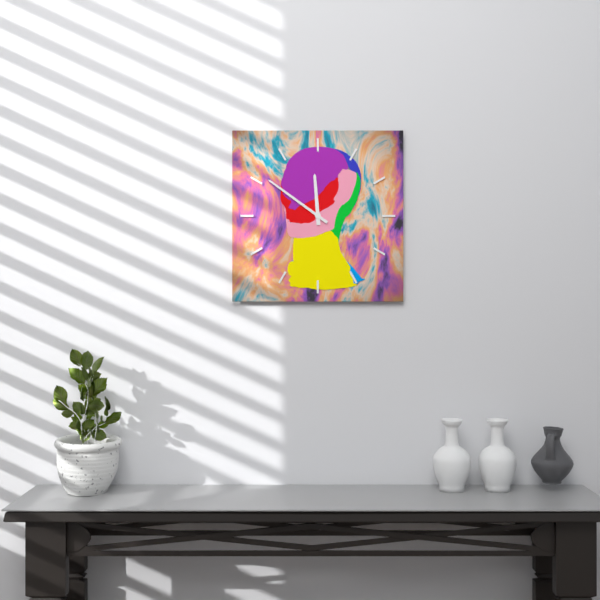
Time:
{"hour": 11, "minute": 51}
